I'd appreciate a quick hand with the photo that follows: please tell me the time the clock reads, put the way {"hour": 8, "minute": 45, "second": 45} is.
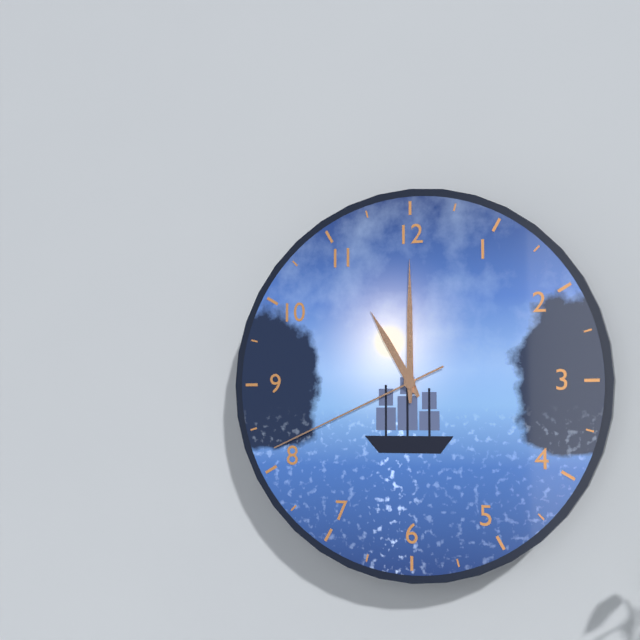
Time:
{"hour": 11, "minute": 0, "second": 41}
